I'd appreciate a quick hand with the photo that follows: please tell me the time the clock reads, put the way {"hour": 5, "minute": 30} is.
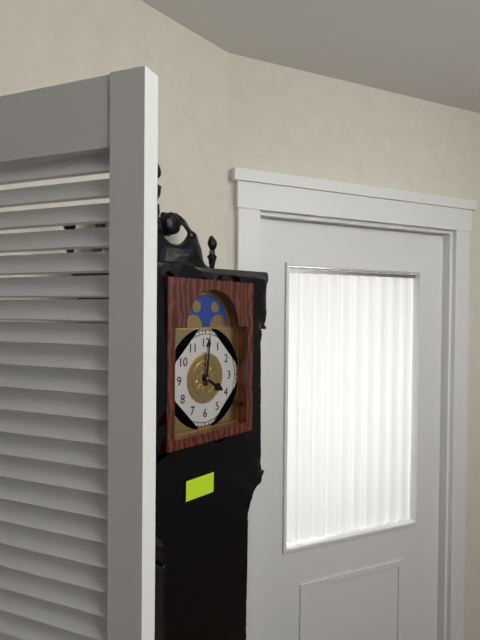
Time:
{"hour": 4, "minute": 1}
